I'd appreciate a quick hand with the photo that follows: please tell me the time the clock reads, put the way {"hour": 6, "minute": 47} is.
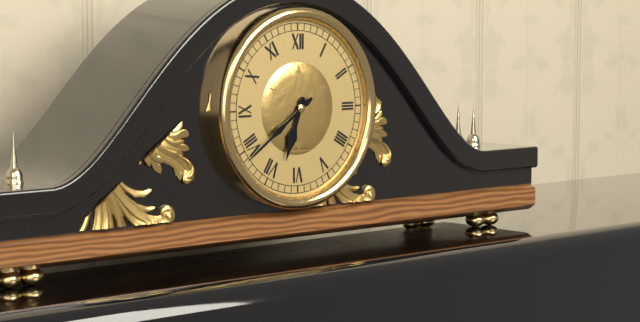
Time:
{"hour": 6, "minute": 39}
